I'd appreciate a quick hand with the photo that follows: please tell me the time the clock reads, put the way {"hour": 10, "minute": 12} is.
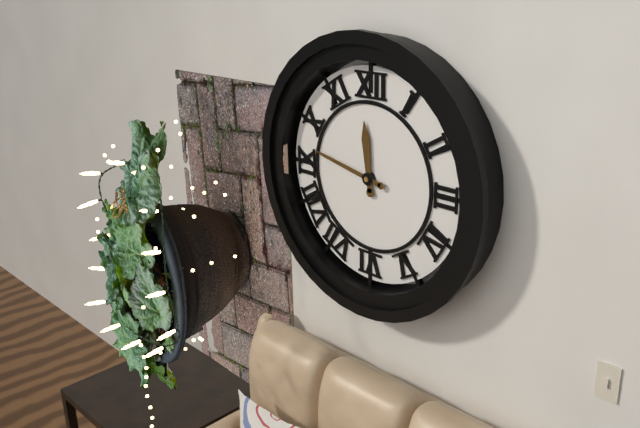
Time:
{"hour": 11, "minute": 47}
